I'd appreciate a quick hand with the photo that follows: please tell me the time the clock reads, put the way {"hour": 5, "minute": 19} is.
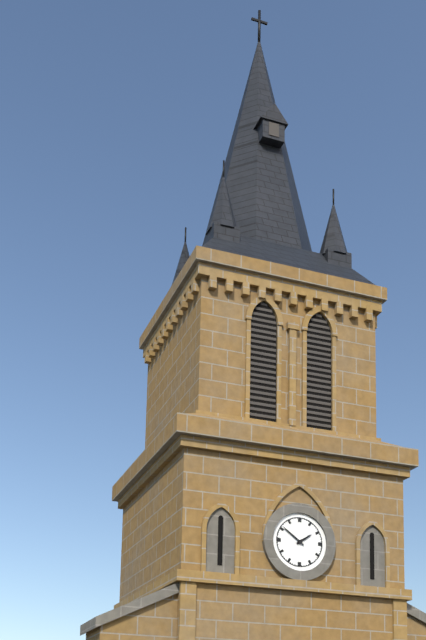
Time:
{"hour": 1, "minute": 51}
